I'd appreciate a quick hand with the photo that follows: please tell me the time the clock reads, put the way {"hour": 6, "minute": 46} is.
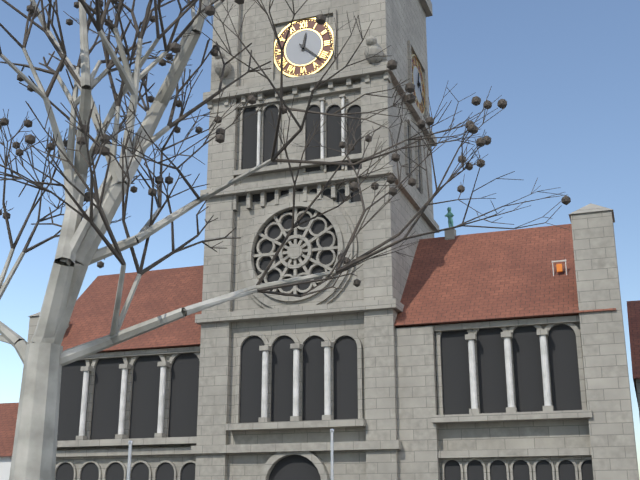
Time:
{"hour": 12, "minute": 22}
